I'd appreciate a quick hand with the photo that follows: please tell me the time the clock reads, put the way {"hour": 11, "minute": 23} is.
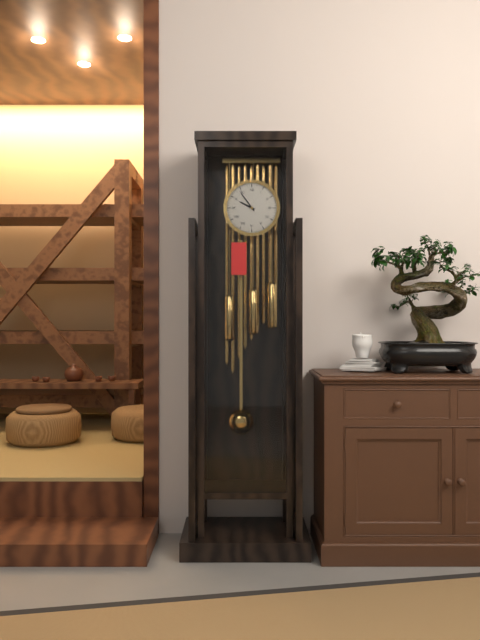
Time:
{"hour": 9, "minute": 54}
